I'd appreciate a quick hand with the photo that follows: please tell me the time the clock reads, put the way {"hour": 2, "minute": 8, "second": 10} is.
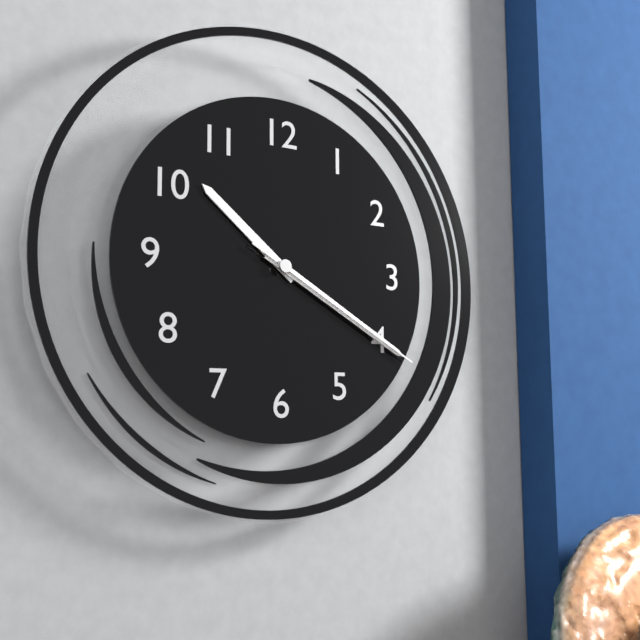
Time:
{"hour": 10, "minute": 20, "second": 20}
